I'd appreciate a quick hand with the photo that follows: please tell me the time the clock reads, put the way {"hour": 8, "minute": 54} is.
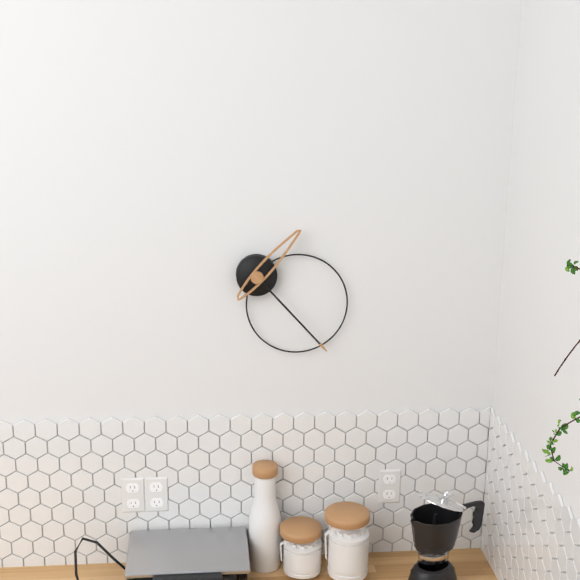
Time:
{"hour": 1, "minute": 23}
